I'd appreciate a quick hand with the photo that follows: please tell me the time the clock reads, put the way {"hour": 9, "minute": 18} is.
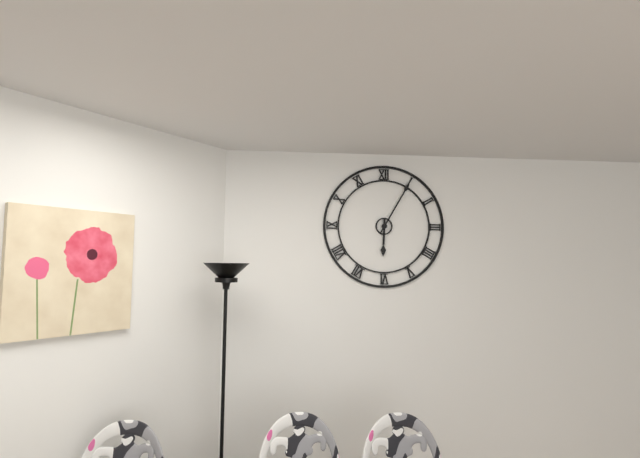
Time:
{"hour": 6, "minute": 5}
